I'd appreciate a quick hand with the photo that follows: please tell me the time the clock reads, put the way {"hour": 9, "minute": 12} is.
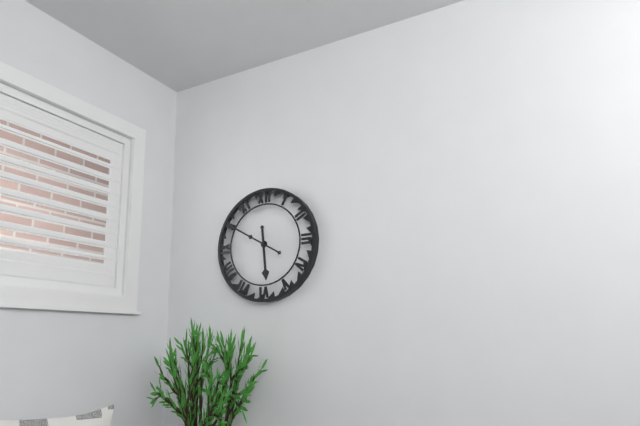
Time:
{"hour": 5, "minute": 50}
